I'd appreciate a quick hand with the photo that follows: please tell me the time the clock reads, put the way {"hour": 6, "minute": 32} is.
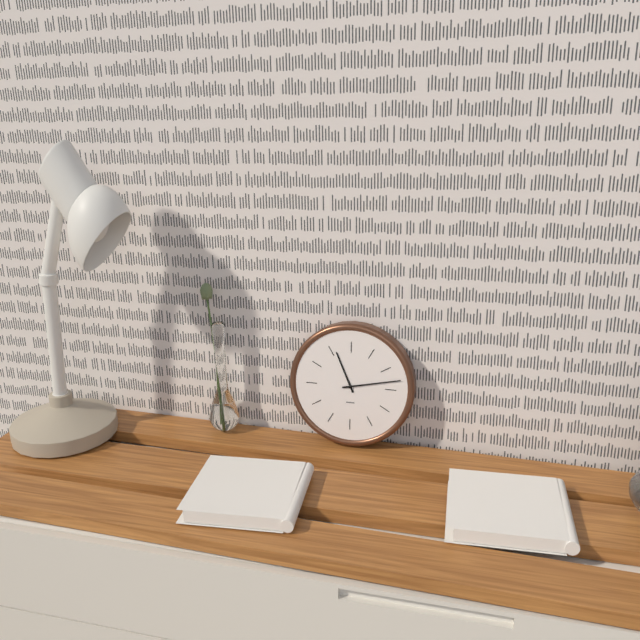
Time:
{"hour": 11, "minute": 13}
